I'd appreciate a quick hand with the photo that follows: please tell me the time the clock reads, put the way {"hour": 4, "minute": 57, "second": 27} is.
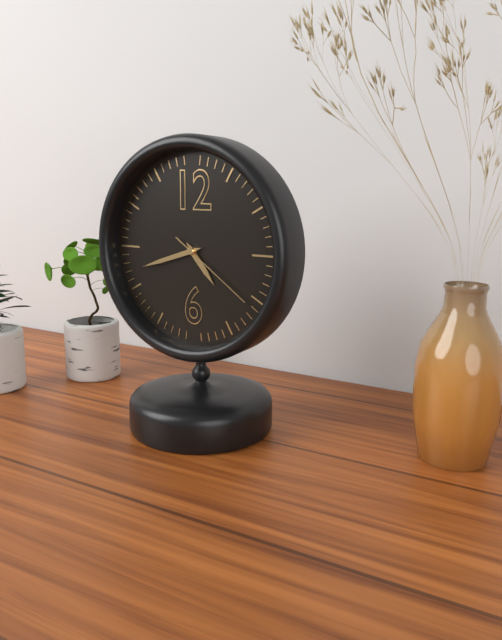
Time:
{"hour": 4, "minute": 42, "second": 21}
